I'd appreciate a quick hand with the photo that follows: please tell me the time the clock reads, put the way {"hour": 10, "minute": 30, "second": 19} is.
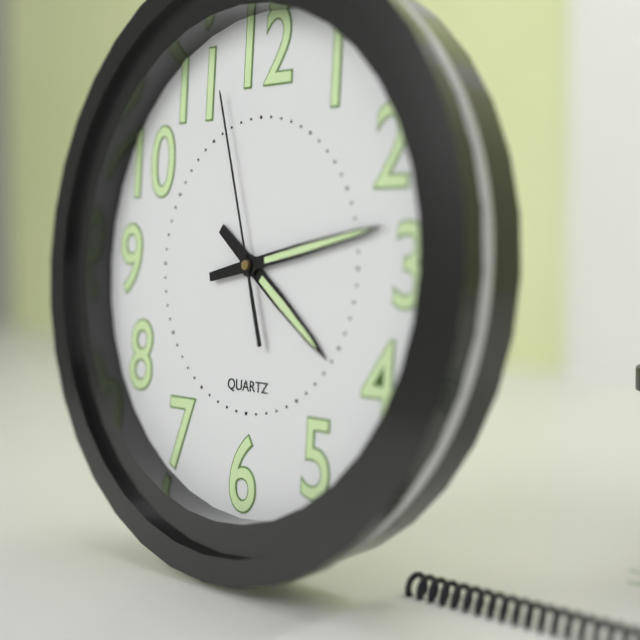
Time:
{"hour": 4, "minute": 13, "second": 57}
